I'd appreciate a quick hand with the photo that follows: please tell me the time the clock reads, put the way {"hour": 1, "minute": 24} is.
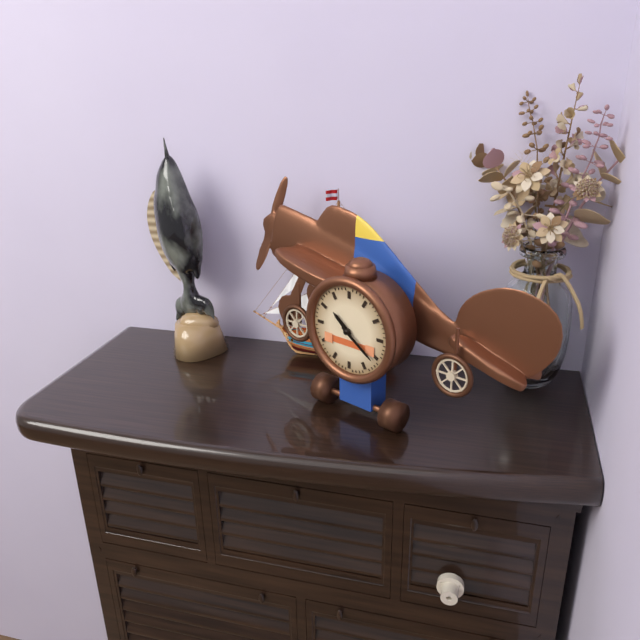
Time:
{"hour": 10, "minute": 21}
